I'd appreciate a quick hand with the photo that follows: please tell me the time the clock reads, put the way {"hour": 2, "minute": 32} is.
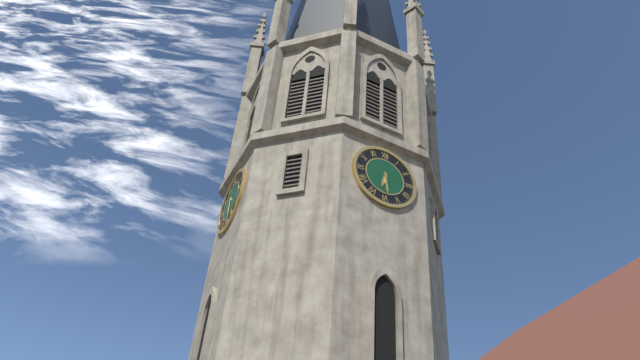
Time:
{"hour": 6, "minute": 29}
